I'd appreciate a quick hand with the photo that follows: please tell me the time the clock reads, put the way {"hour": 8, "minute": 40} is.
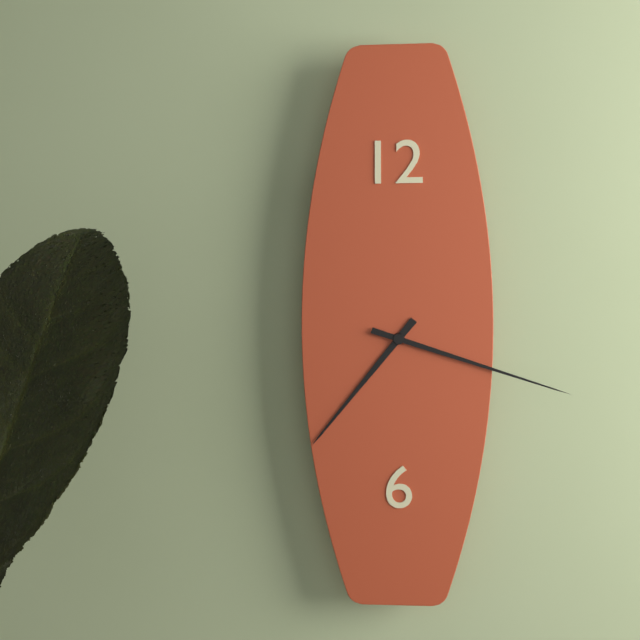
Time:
{"hour": 7, "minute": 18}
